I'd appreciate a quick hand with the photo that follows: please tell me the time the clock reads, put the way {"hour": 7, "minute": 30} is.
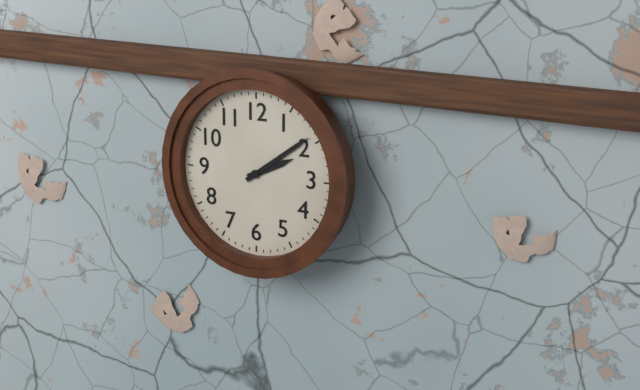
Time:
{"hour": 2, "minute": 9}
